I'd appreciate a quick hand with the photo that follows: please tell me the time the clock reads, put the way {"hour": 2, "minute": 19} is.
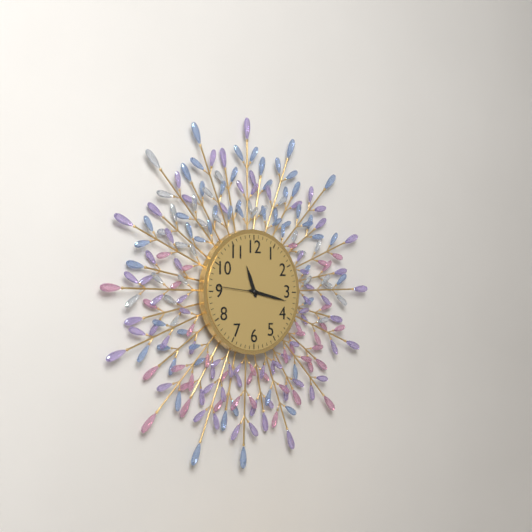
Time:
{"hour": 11, "minute": 17}
